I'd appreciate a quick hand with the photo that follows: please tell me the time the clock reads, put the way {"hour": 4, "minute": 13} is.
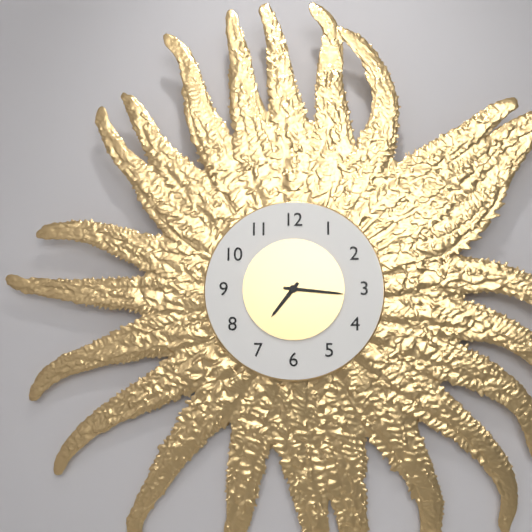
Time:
{"hour": 7, "minute": 16}
